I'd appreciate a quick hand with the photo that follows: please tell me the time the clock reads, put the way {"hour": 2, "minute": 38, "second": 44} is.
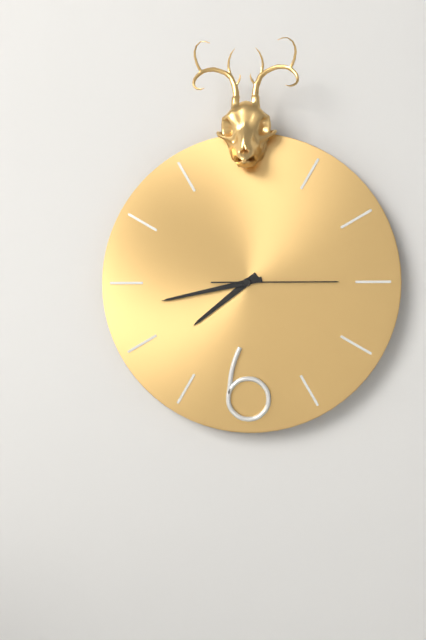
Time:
{"hour": 7, "minute": 43, "second": 15}
